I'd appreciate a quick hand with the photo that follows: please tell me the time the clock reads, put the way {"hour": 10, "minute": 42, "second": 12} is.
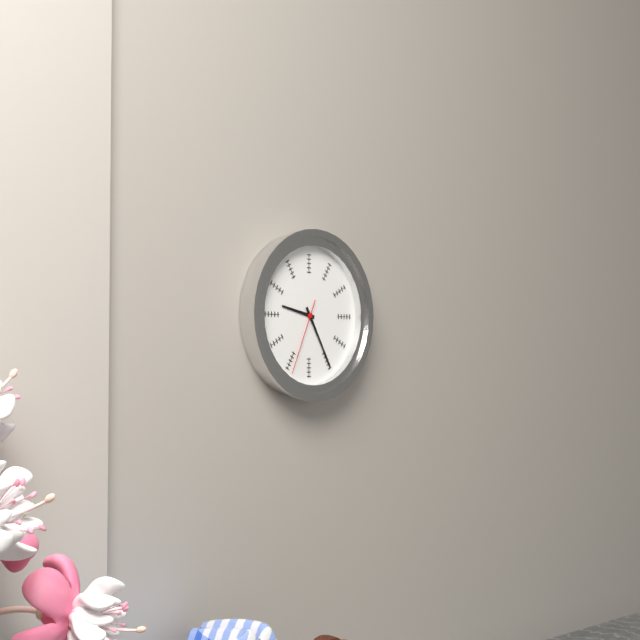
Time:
{"hour": 9, "minute": 25, "second": 34}
